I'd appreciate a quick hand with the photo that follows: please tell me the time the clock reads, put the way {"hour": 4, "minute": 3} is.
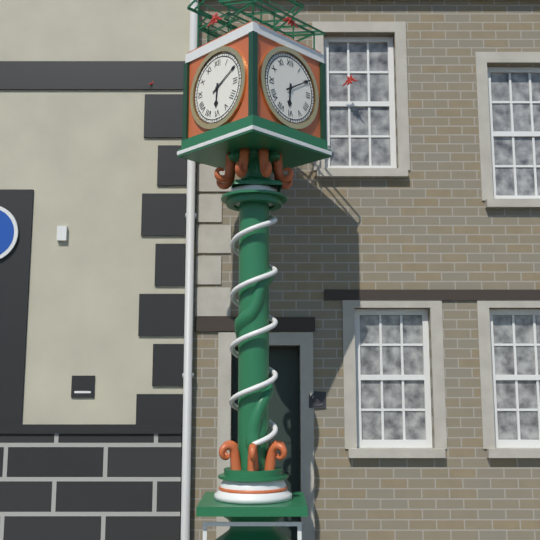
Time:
{"hour": 6, "minute": 10}
